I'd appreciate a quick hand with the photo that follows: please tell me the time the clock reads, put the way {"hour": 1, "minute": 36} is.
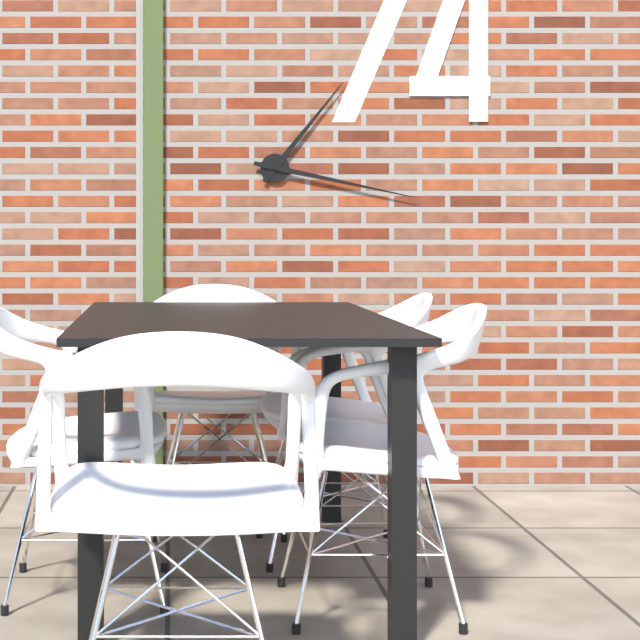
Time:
{"hour": 1, "minute": 17}
